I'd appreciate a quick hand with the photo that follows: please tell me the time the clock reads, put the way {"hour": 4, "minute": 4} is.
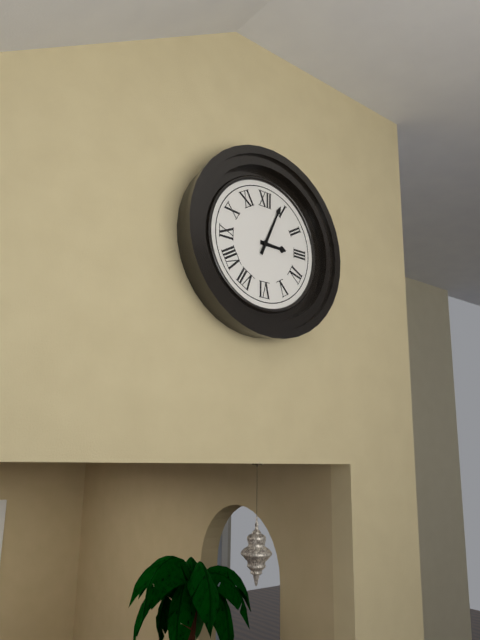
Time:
{"hour": 3, "minute": 4}
